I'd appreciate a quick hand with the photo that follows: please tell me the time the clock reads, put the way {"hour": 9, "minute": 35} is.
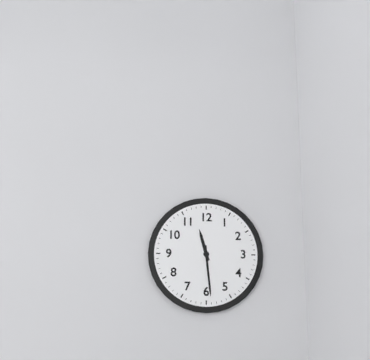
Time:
{"hour": 11, "minute": 29}
